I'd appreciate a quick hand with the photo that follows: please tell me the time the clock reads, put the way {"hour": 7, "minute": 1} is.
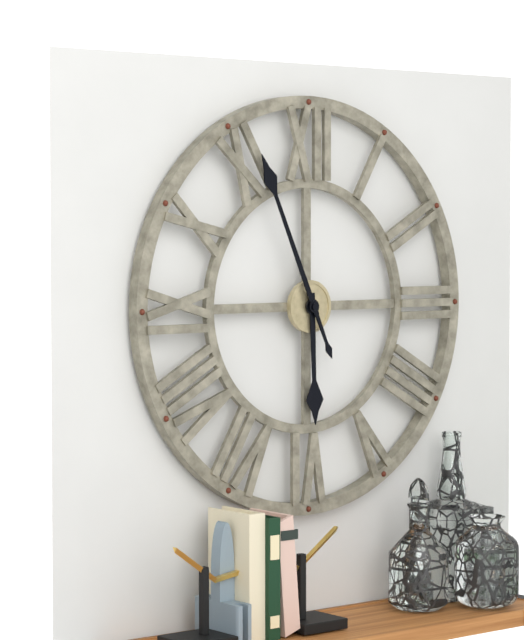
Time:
{"hour": 5, "minute": 56}
